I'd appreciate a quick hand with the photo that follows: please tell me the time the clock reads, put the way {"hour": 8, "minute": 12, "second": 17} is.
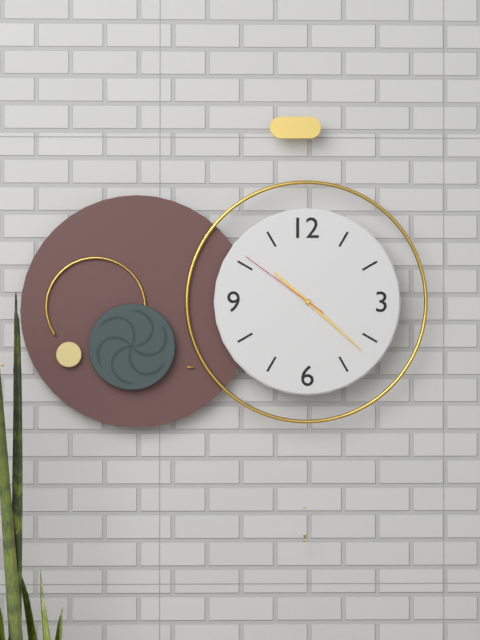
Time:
{"hour": 10, "minute": 22, "second": 51}
